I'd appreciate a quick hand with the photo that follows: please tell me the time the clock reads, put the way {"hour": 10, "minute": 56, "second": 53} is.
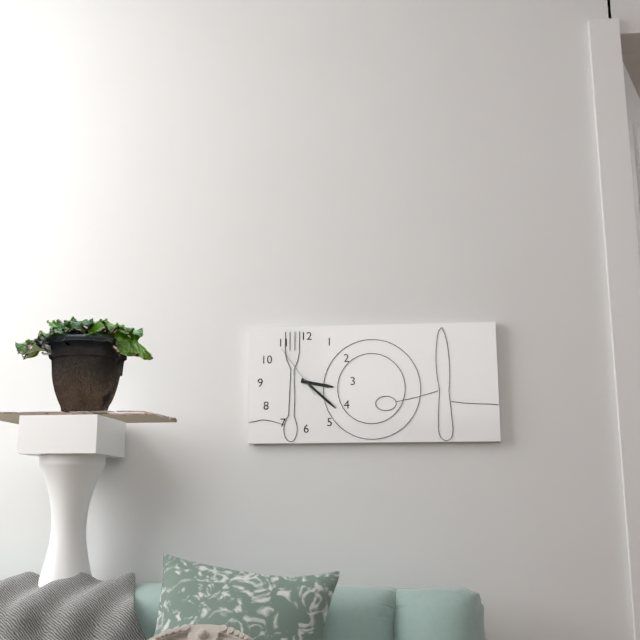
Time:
{"hour": 3, "minute": 22, "second": 54}
